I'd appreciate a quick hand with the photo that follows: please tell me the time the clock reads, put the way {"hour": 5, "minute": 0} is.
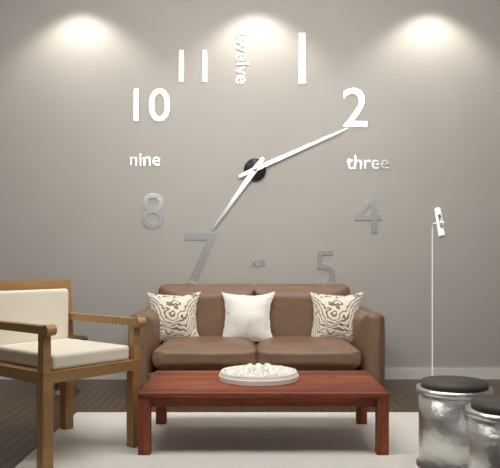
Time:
{"hour": 7, "minute": 11}
